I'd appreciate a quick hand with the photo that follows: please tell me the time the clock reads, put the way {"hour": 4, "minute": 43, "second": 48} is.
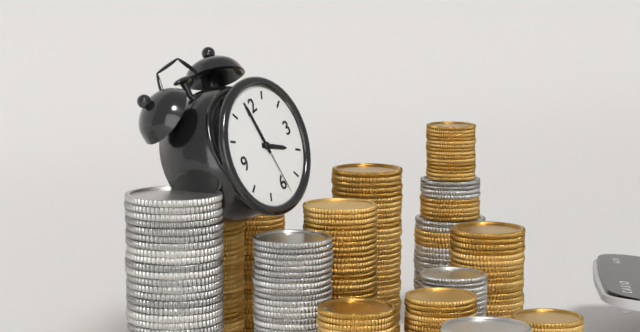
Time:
{"hour": 3, "minute": 59, "second": 29}
